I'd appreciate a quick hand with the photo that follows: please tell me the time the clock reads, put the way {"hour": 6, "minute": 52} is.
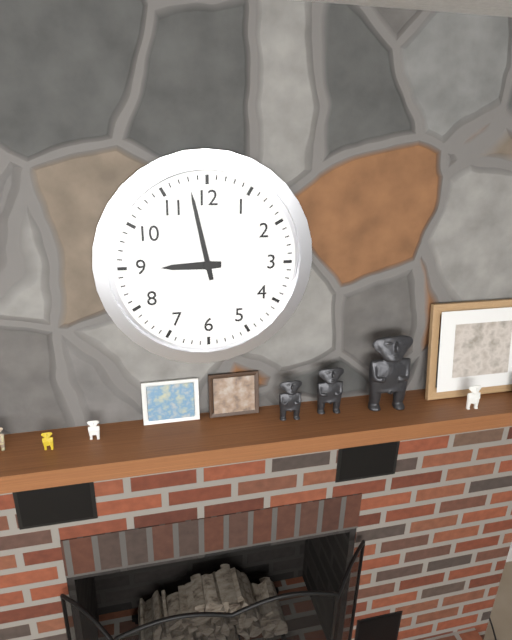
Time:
{"hour": 8, "minute": 58}
